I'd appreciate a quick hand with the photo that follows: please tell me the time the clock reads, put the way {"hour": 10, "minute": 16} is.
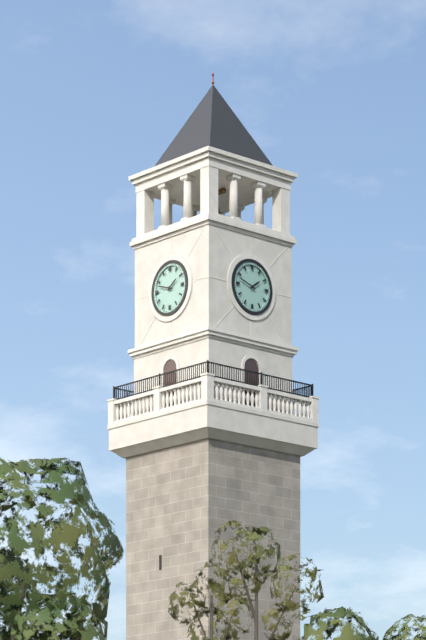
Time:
{"hour": 1, "minute": 48}
